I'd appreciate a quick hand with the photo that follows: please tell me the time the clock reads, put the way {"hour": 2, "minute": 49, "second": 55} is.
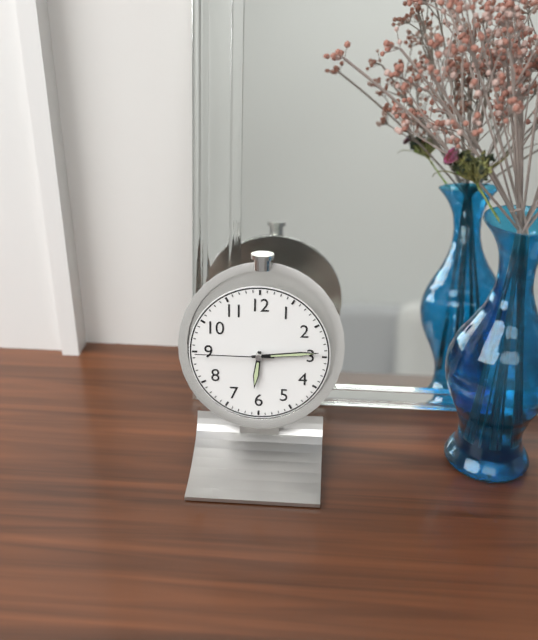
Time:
{"hour": 6, "minute": 14, "second": 45}
